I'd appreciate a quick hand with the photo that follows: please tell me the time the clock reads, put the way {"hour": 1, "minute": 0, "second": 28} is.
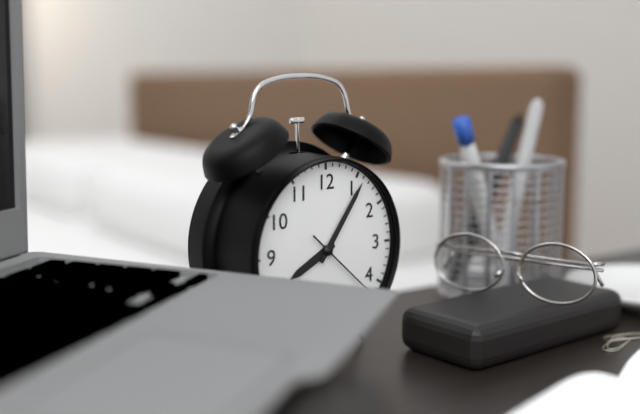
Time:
{"hour": 8, "minute": 6, "second": 22}
